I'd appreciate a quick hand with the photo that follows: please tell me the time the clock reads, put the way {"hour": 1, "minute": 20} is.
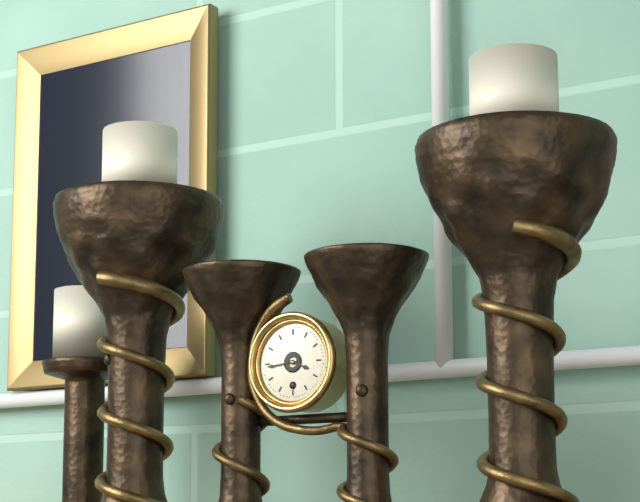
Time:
{"hour": 3, "minute": 44}
